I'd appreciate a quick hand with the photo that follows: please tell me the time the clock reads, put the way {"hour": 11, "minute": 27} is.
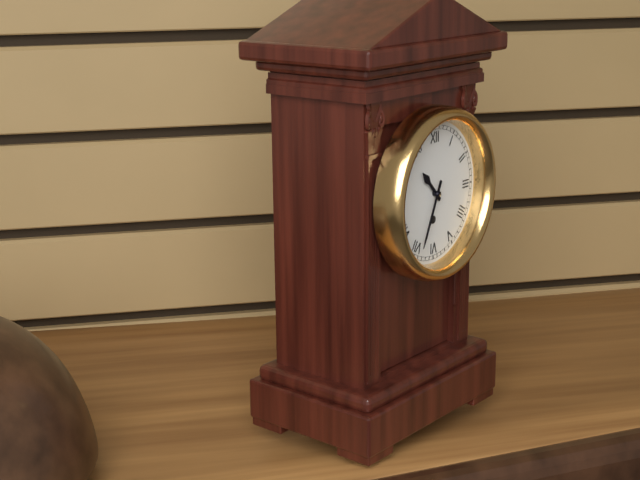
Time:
{"hour": 10, "minute": 34}
